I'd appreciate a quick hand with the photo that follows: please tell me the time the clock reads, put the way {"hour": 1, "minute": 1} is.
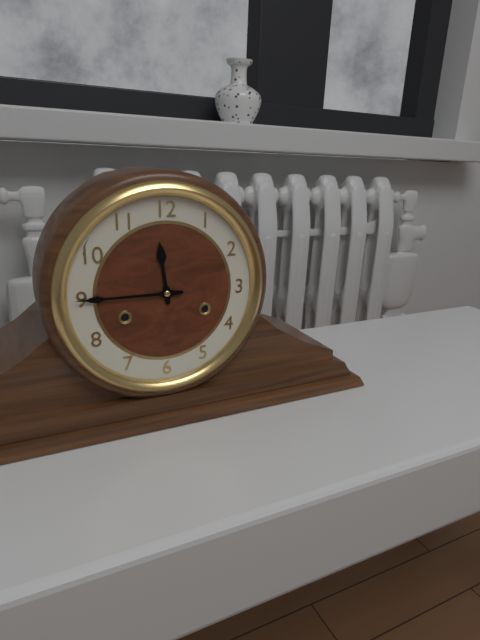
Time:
{"hour": 11, "minute": 45}
